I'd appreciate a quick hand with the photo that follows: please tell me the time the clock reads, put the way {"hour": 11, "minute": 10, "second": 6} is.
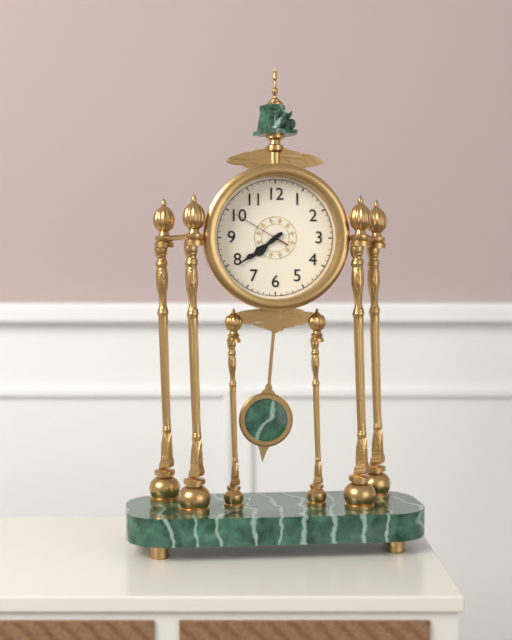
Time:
{"hour": 7, "minute": 39, "second": 50}
